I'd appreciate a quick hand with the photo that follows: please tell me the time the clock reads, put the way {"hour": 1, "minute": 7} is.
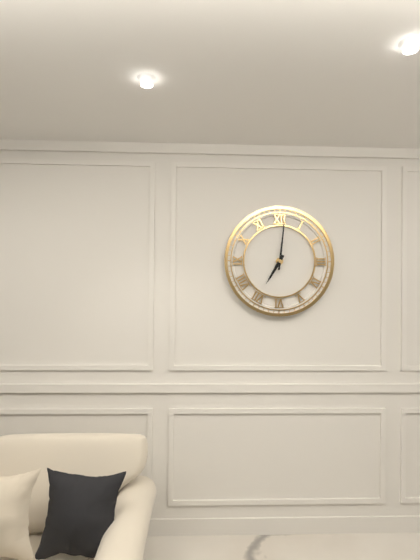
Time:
{"hour": 7, "minute": 1}
